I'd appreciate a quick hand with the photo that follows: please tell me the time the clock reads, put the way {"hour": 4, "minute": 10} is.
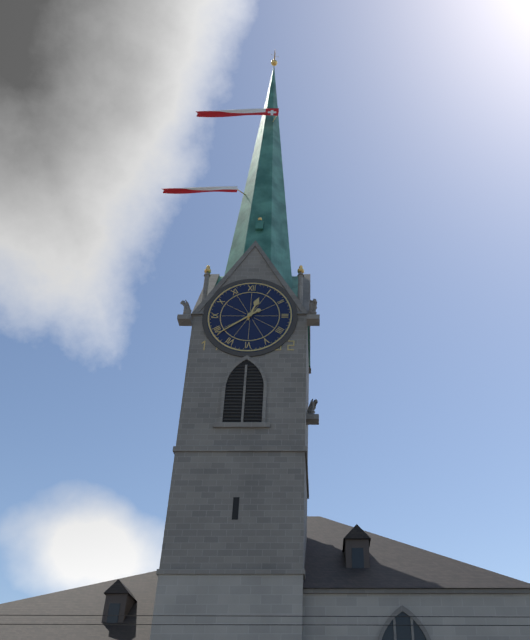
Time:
{"hour": 12, "minute": 39}
